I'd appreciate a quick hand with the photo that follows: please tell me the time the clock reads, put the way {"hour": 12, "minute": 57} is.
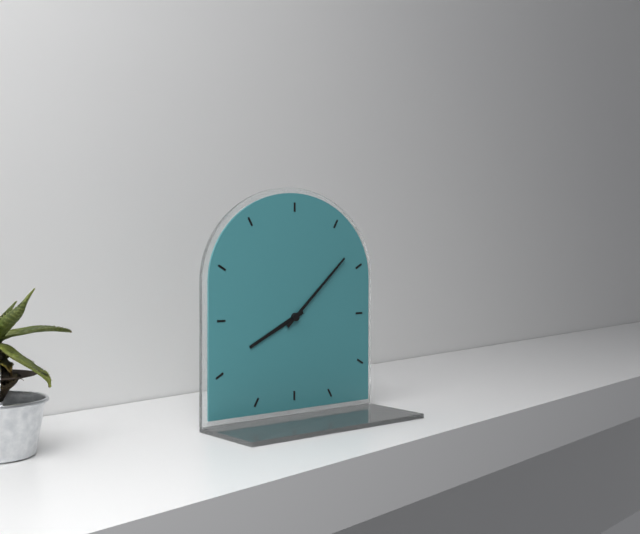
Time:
{"hour": 8, "minute": 8}
